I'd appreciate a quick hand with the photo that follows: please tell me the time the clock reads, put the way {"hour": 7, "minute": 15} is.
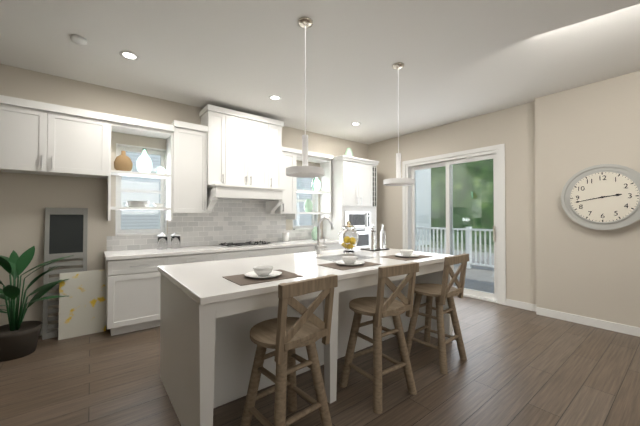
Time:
{"hour": 2, "minute": 43}
